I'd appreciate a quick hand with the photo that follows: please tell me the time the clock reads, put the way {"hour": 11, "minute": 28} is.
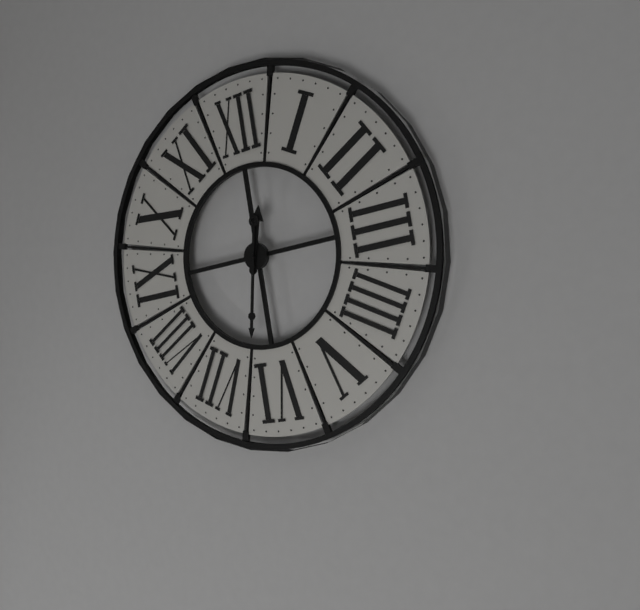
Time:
{"hour": 12, "minute": 32}
